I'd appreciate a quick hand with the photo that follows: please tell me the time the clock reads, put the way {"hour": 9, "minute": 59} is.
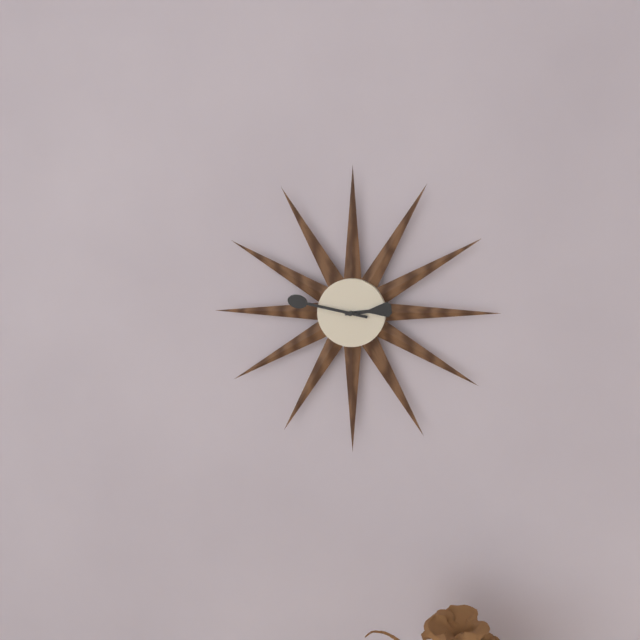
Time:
{"hour": 2, "minute": 47}
